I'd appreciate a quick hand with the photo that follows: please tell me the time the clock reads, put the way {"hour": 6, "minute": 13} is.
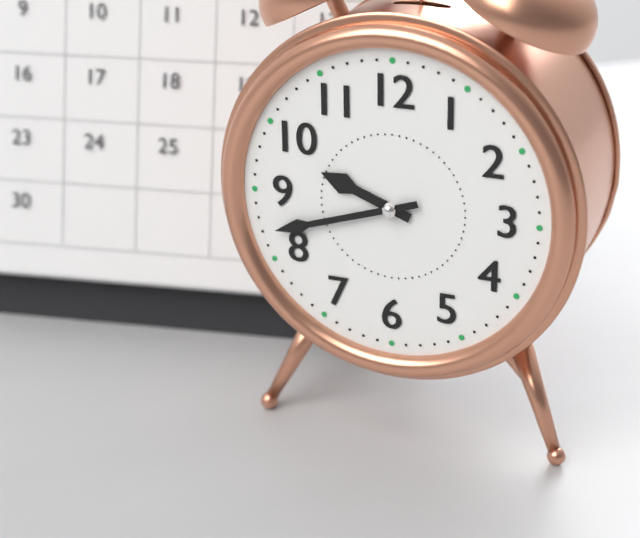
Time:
{"hour": 9, "minute": 42}
